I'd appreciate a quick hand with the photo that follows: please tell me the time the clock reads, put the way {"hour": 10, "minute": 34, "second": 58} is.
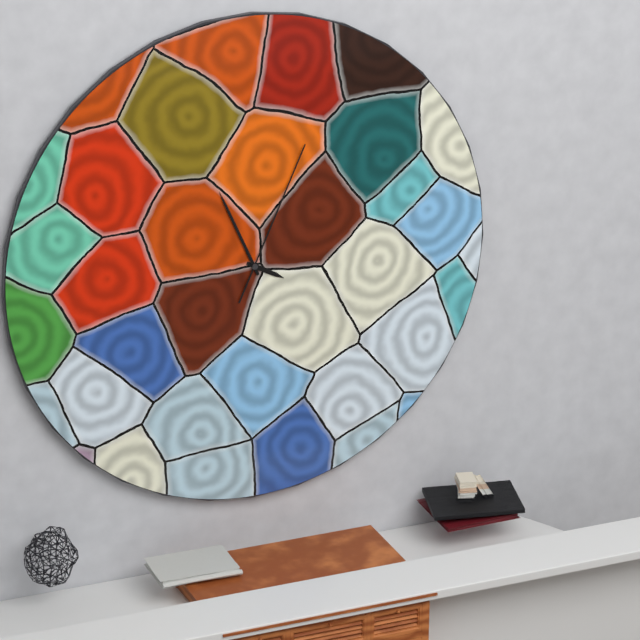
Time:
{"hour": 3, "minute": 56, "second": 4}
